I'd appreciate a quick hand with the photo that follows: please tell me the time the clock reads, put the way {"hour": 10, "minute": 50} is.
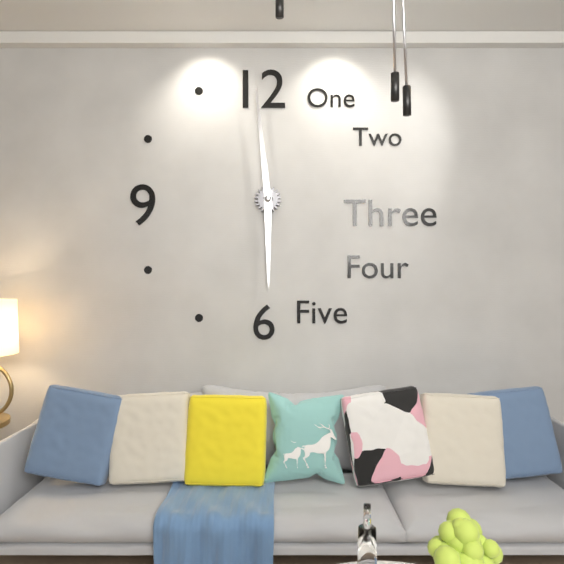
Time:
{"hour": 5, "minute": 59}
